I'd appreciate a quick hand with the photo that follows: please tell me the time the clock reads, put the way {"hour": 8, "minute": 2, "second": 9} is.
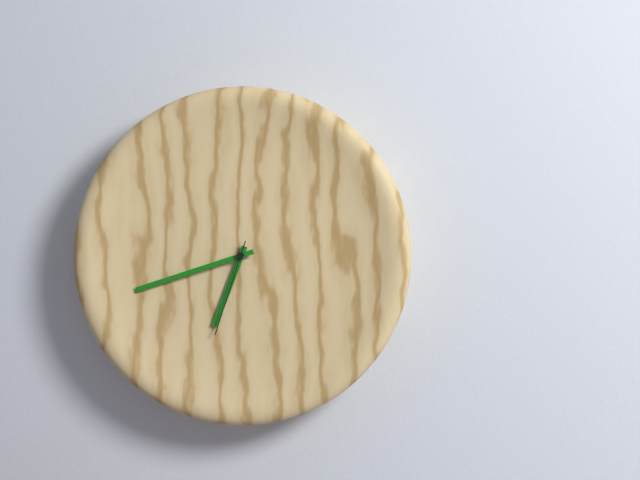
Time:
{"hour": 6, "minute": 42, "second": 33}
